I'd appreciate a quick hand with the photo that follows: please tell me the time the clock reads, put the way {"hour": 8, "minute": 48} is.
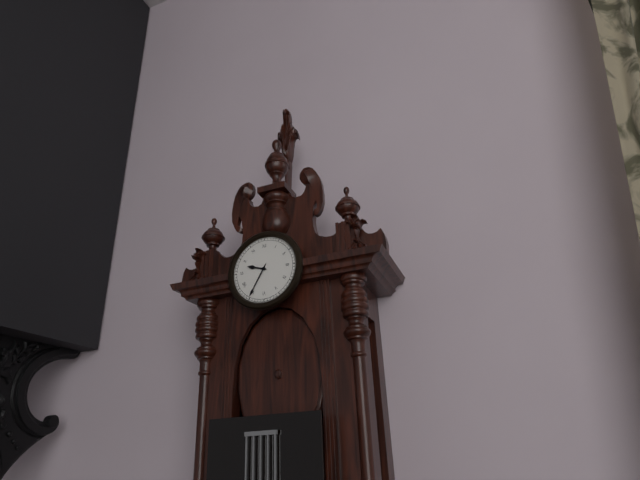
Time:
{"hour": 9, "minute": 35}
